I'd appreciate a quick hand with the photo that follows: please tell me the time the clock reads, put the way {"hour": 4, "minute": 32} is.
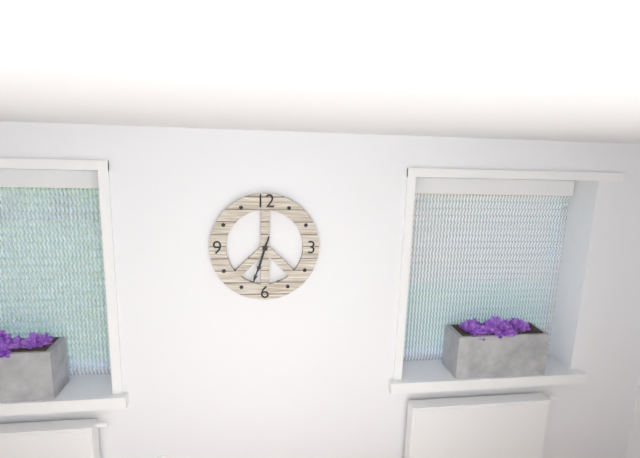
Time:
{"hour": 6, "minute": 33}
